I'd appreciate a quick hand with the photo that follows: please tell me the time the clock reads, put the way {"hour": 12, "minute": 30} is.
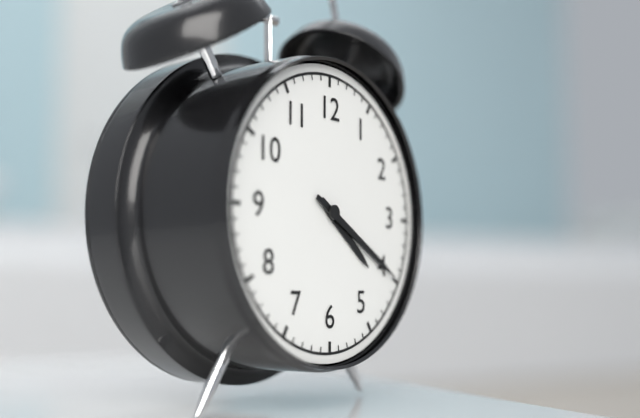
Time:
{"hour": 4, "minute": 20}
